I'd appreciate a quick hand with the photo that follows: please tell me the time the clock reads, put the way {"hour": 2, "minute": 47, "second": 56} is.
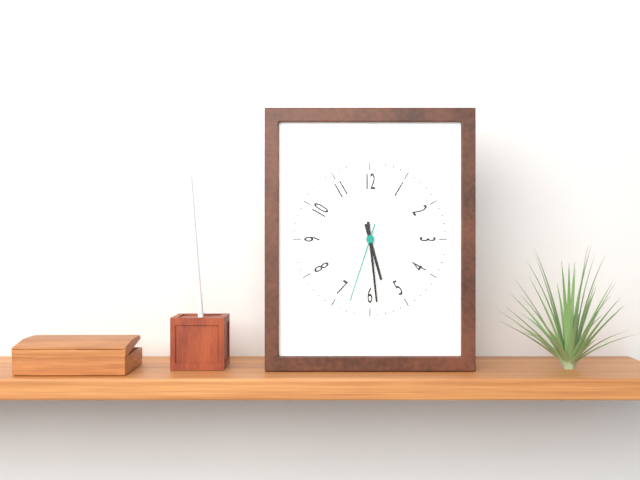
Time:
{"hour": 5, "minute": 29, "second": 33}
